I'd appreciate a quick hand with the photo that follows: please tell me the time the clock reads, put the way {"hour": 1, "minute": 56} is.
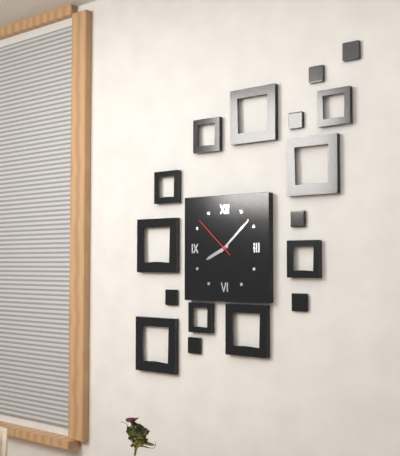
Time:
{"hour": 8, "minute": 8}
